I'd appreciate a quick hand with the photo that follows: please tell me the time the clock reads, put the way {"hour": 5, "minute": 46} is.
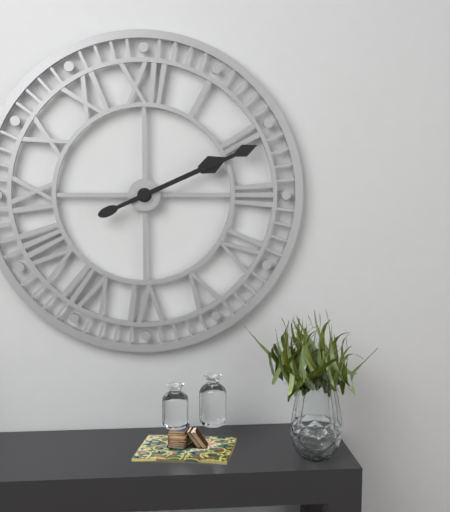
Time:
{"hour": 2, "minute": 11}
